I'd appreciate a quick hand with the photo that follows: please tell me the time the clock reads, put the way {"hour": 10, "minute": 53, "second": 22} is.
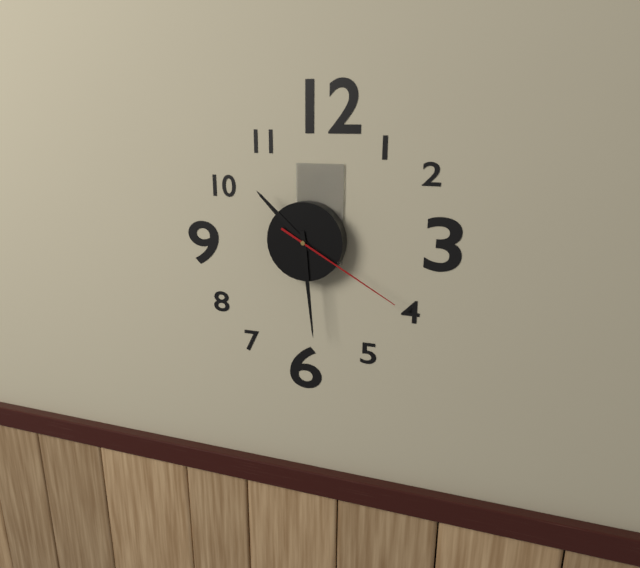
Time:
{"hour": 10, "minute": 29, "second": 20}
